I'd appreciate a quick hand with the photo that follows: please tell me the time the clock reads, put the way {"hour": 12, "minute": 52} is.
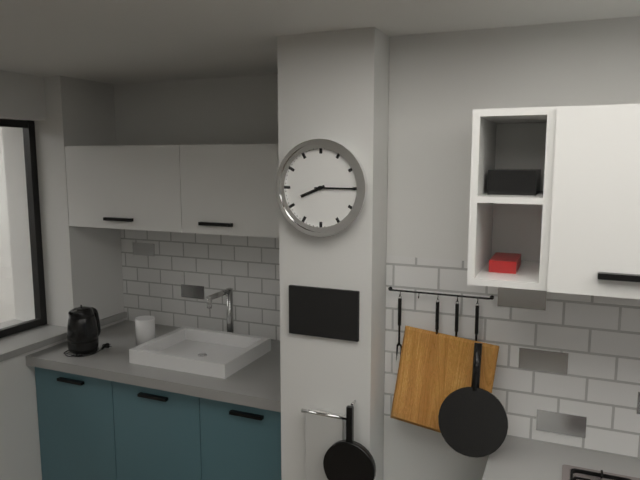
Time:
{"hour": 8, "minute": 15}
